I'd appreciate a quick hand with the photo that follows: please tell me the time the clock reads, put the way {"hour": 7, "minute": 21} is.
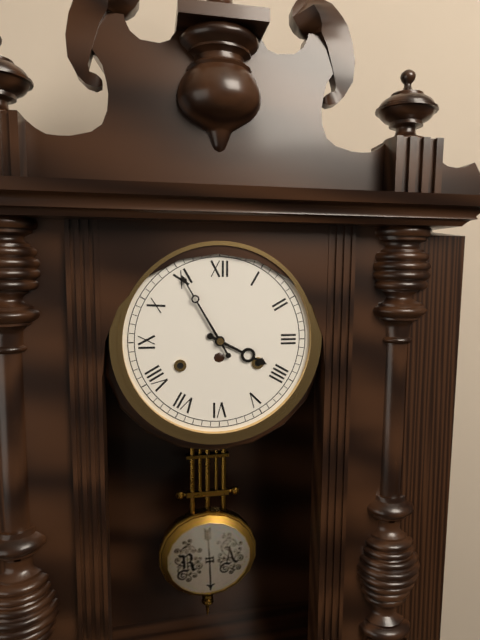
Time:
{"hour": 3, "minute": 55}
